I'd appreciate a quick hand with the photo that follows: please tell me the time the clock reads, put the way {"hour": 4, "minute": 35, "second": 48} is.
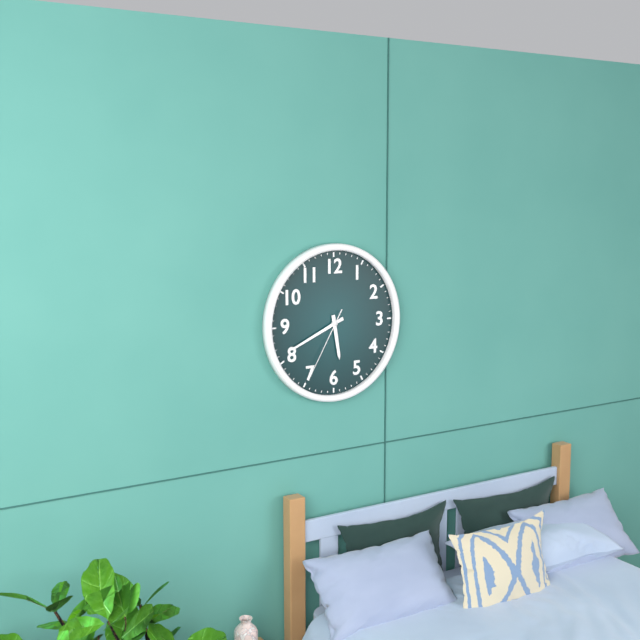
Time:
{"hour": 5, "minute": 41, "second": 35}
